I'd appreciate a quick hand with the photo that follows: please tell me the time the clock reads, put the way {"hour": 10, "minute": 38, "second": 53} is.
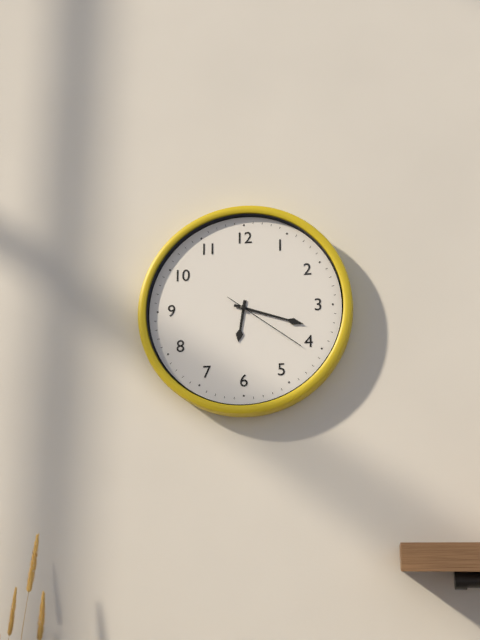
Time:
{"hour": 6, "minute": 18, "second": 21}
